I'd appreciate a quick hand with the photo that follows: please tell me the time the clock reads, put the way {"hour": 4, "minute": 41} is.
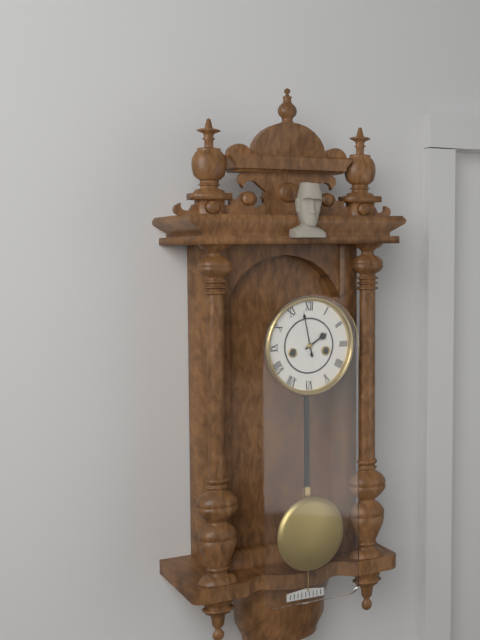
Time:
{"hour": 1, "minute": 58}
